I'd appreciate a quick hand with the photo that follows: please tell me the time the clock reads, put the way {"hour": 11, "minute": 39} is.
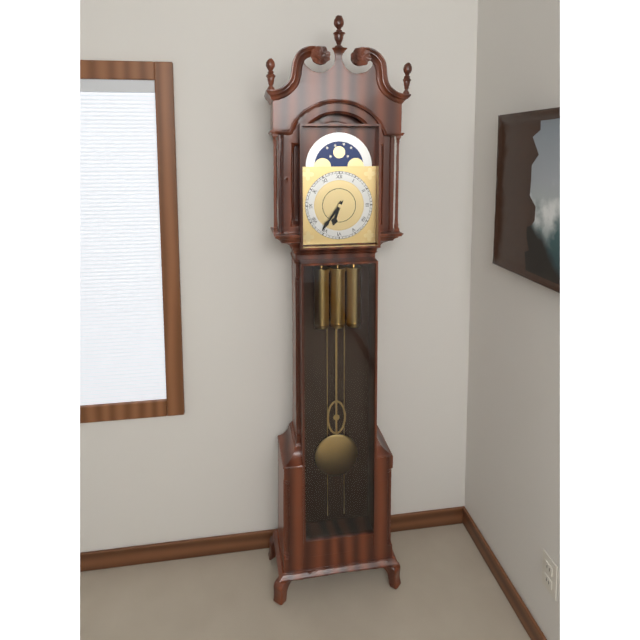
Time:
{"hour": 6, "minute": 36}
